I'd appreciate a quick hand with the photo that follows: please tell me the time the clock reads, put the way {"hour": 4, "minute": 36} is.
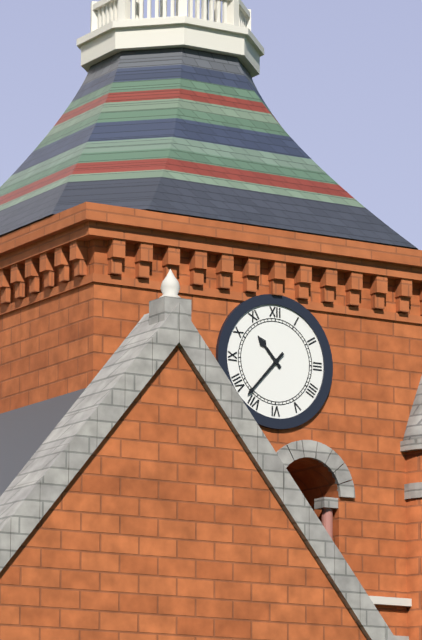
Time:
{"hour": 10, "minute": 37}
